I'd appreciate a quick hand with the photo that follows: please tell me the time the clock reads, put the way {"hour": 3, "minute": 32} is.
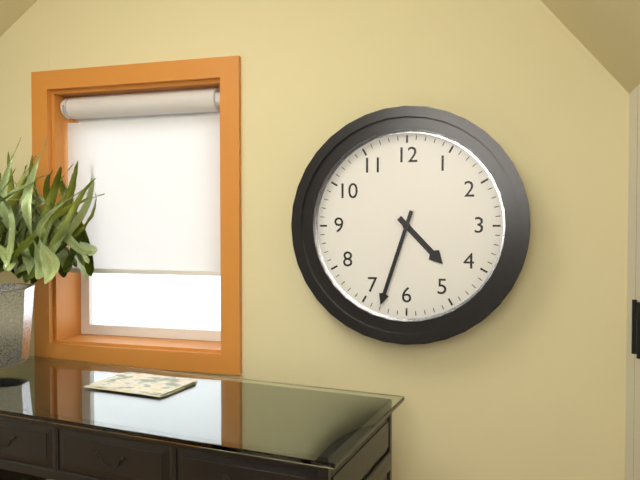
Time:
{"hour": 4, "minute": 33}
